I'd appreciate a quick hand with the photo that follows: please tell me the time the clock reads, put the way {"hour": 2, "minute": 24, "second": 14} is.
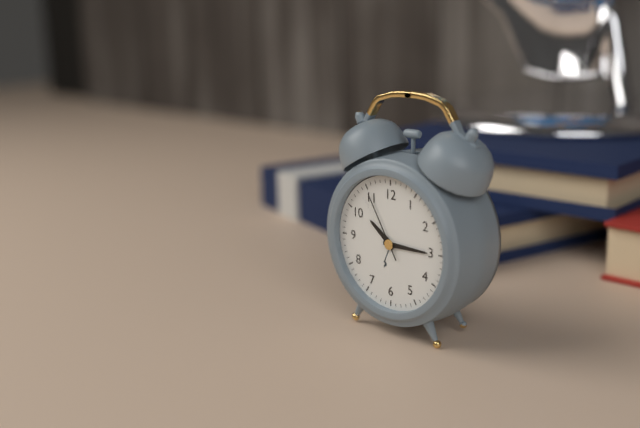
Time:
{"hour": 10, "minute": 15, "second": 55}
